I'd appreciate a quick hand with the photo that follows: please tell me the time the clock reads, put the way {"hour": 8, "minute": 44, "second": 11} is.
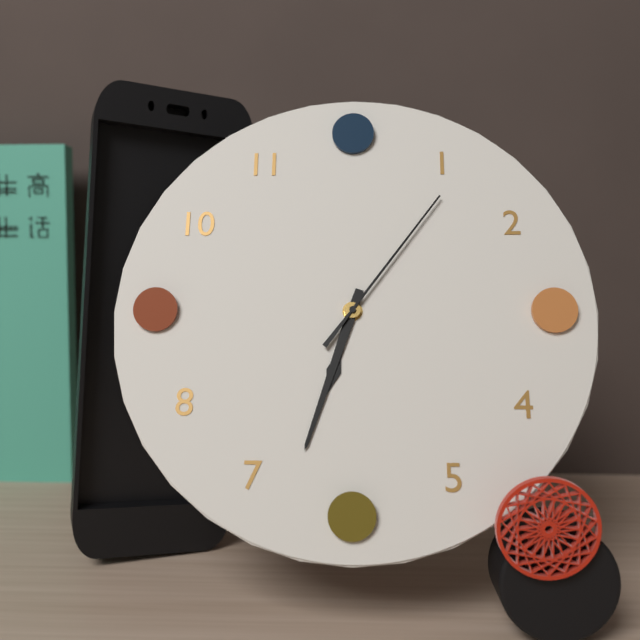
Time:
{"hour": 6, "minute": 33, "second": 6}
